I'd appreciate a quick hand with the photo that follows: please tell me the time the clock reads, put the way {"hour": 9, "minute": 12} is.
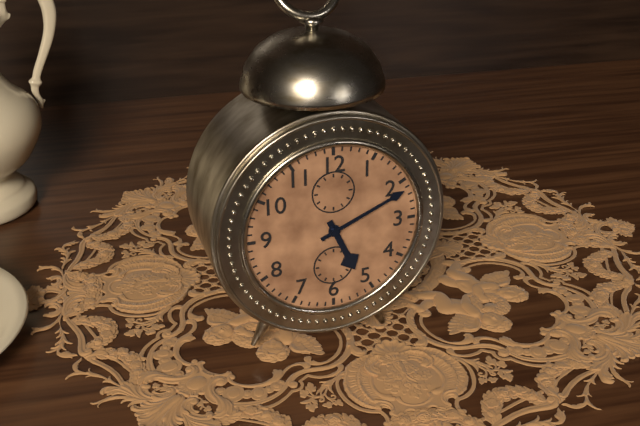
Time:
{"hour": 5, "minute": 11}
